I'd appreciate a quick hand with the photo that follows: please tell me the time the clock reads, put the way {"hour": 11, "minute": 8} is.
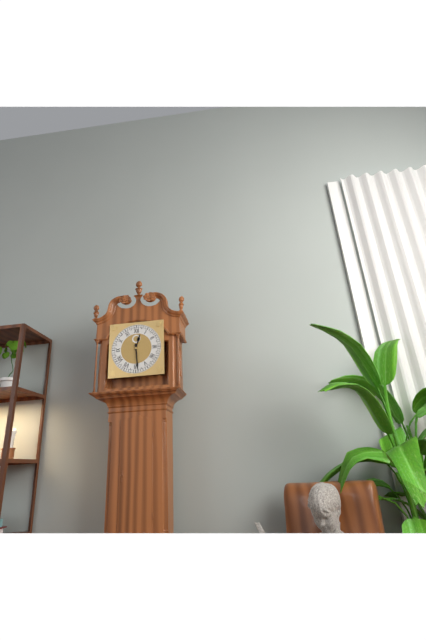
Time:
{"hour": 12, "minute": 29}
